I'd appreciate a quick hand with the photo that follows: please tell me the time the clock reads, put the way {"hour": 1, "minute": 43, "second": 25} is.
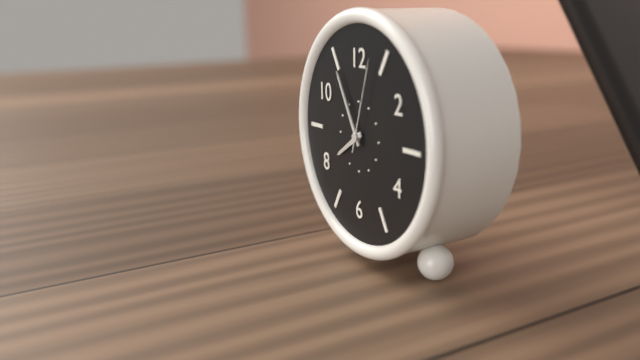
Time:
{"hour": 7, "minute": 55, "second": 3}
